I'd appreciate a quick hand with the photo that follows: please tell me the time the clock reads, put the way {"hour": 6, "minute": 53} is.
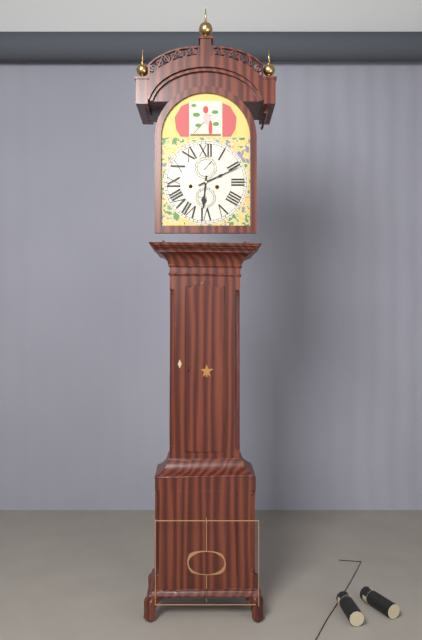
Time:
{"hour": 6, "minute": 11}
